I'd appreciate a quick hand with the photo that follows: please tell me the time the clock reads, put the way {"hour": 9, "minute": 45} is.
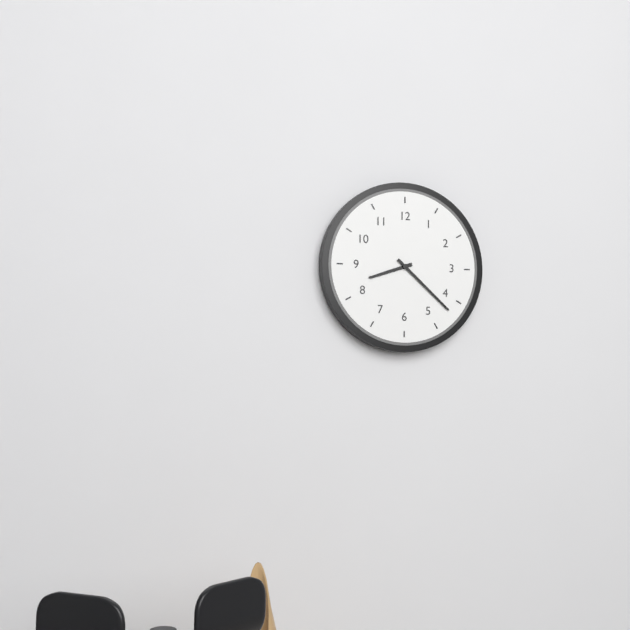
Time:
{"hour": 8, "minute": 22}
